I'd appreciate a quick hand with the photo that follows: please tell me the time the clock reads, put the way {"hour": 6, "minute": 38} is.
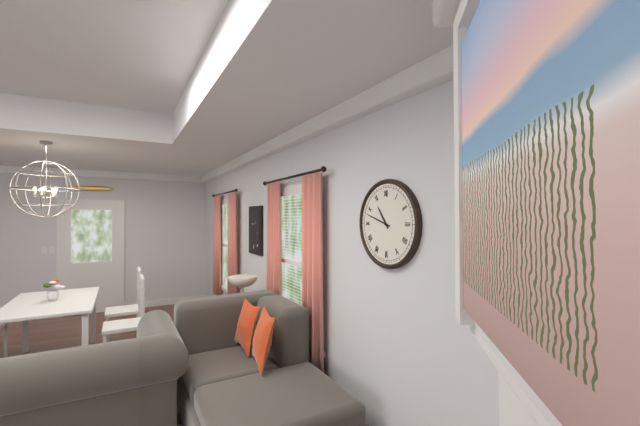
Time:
{"hour": 10, "minute": 48}
